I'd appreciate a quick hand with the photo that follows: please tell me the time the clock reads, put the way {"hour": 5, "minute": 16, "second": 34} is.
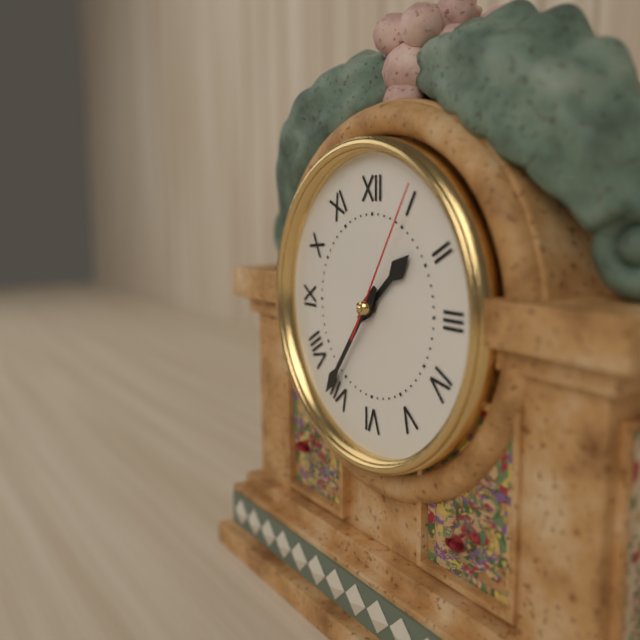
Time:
{"hour": 1, "minute": 36, "second": 5}
